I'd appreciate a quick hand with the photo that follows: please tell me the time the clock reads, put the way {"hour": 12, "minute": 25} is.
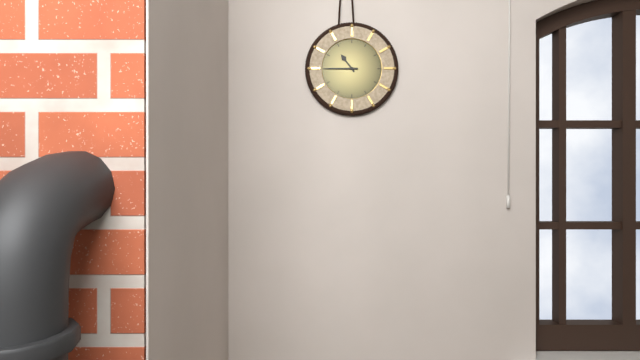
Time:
{"hour": 10, "minute": 45}
